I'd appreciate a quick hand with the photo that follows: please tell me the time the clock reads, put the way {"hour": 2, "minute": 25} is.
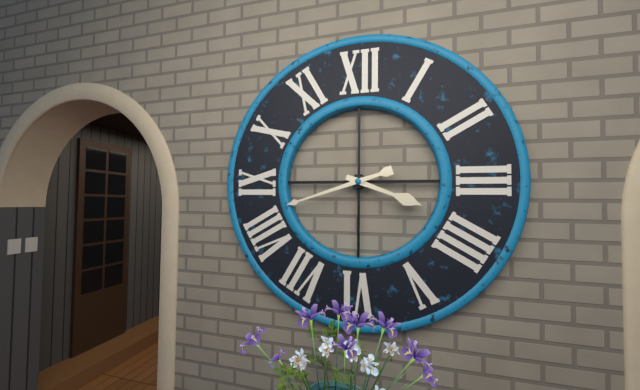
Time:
{"hour": 3, "minute": 42}
